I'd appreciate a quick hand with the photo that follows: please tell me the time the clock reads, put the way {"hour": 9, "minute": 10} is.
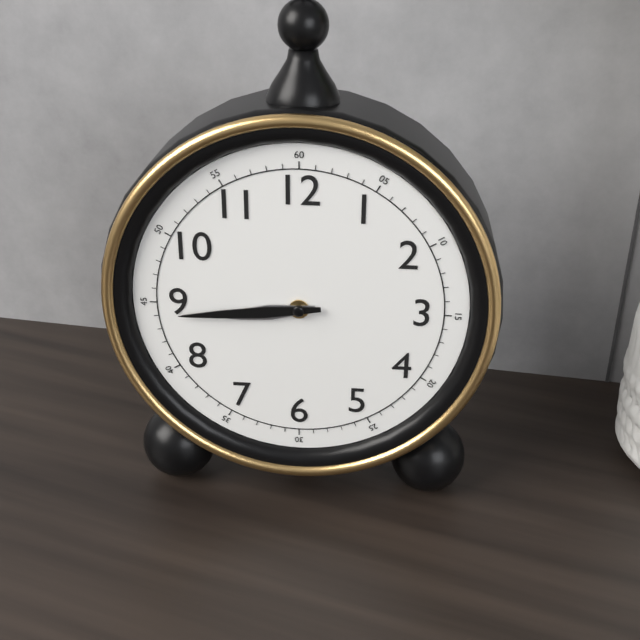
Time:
{"hour": 8, "minute": 44}
